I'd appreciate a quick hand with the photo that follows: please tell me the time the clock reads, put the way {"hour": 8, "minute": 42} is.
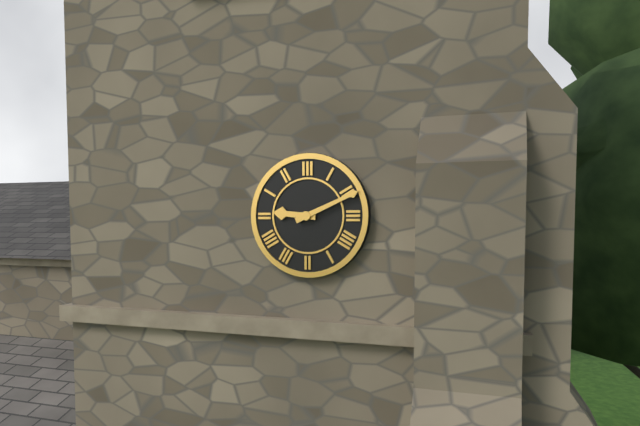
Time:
{"hour": 9, "minute": 11}
